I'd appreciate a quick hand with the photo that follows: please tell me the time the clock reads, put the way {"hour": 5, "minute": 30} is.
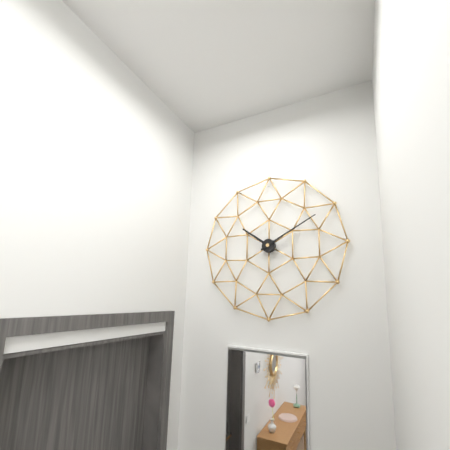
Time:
{"hour": 10, "minute": 10}
